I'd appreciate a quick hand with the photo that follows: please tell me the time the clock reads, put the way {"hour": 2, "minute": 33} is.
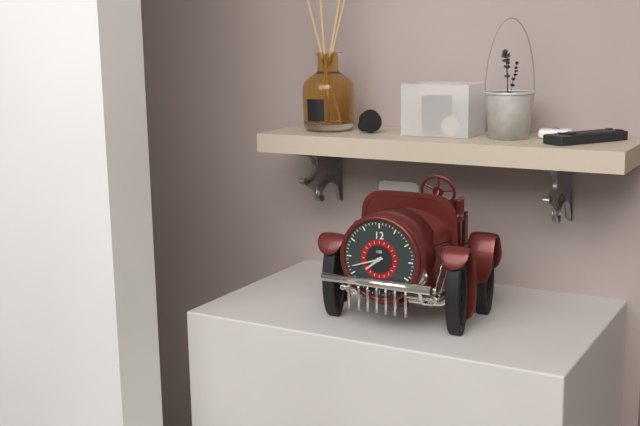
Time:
{"hour": 7, "minute": 42}
